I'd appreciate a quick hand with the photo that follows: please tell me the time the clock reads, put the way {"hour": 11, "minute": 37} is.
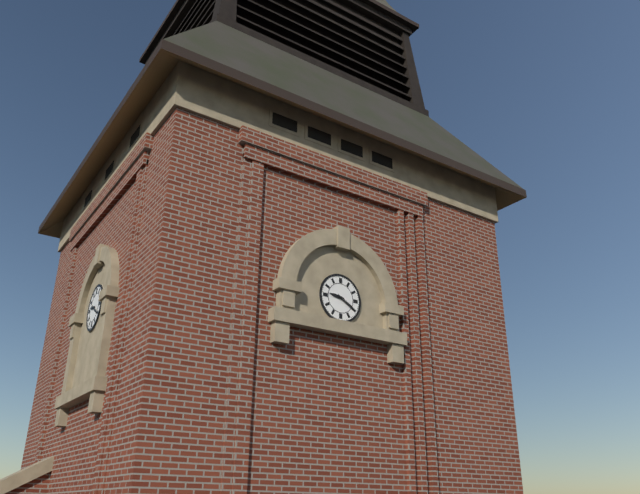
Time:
{"hour": 9, "minute": 20}
